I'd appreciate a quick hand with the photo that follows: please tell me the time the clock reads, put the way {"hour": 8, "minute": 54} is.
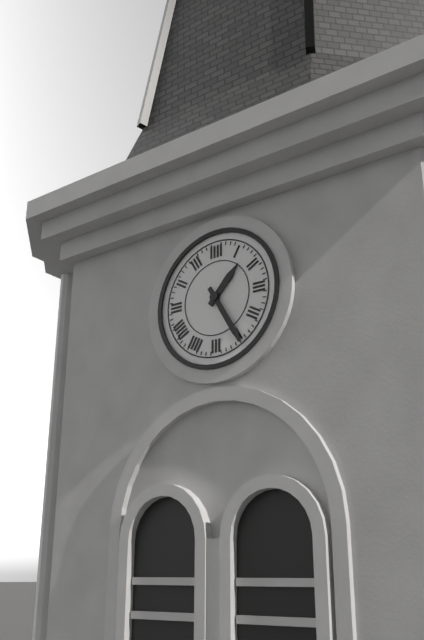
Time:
{"hour": 1, "minute": 25}
